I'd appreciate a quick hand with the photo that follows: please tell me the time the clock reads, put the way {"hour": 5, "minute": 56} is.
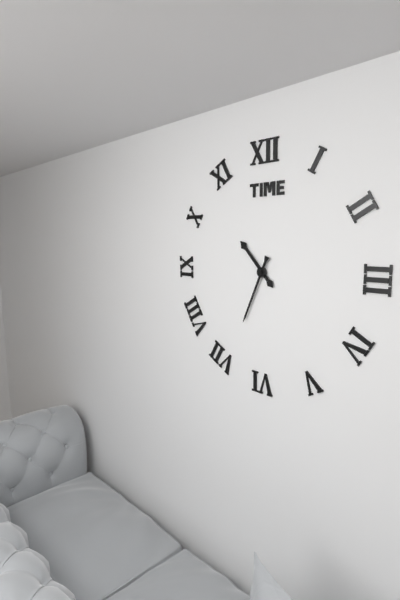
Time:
{"hour": 10, "minute": 34}
